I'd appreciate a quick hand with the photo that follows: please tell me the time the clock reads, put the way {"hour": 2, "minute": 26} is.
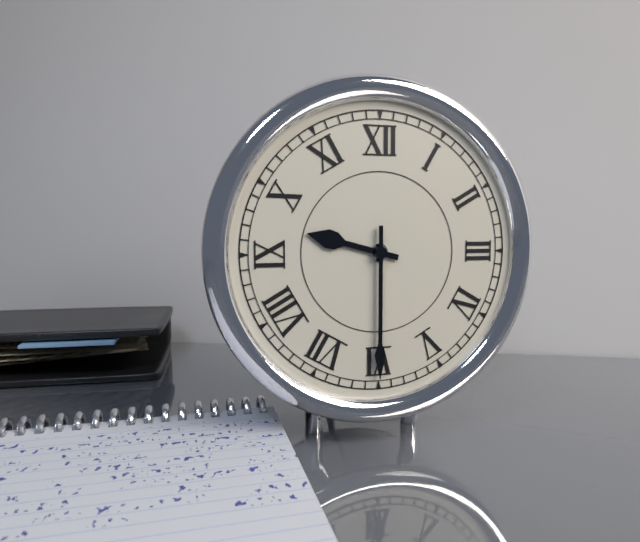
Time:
{"hour": 9, "minute": 30}
